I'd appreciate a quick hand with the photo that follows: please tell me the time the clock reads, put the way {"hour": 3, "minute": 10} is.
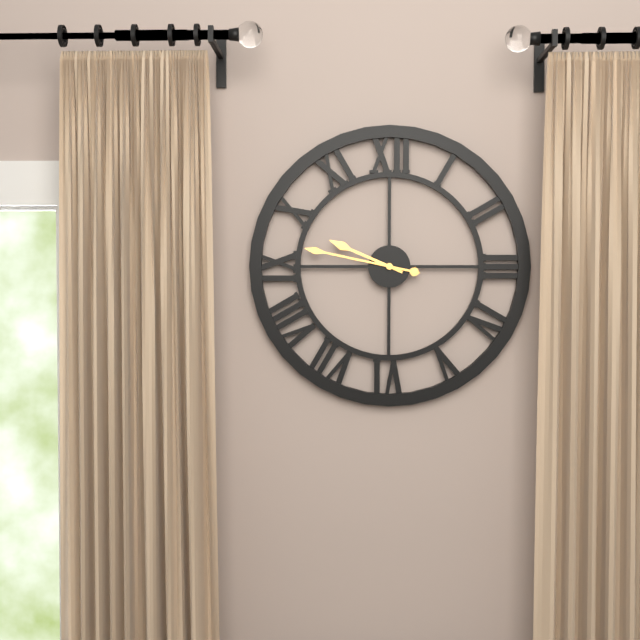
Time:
{"hour": 9, "minute": 47}
